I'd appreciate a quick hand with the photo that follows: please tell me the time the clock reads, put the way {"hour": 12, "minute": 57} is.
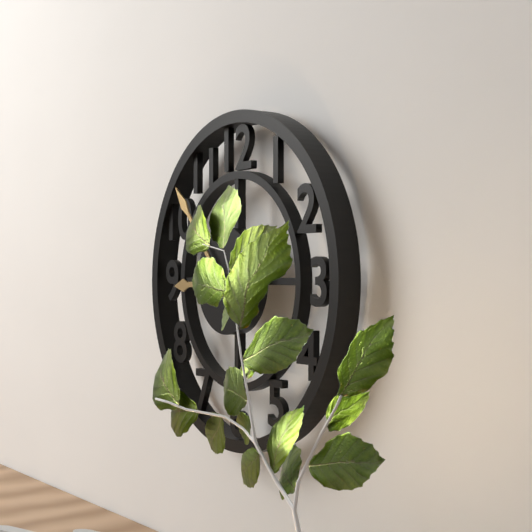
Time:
{"hour": 8, "minute": 53}
